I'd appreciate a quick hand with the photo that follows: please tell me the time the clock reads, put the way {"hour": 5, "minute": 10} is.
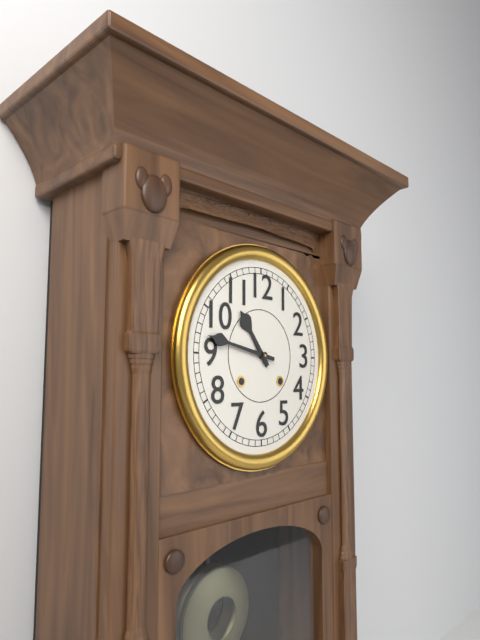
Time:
{"hour": 10, "minute": 47}
